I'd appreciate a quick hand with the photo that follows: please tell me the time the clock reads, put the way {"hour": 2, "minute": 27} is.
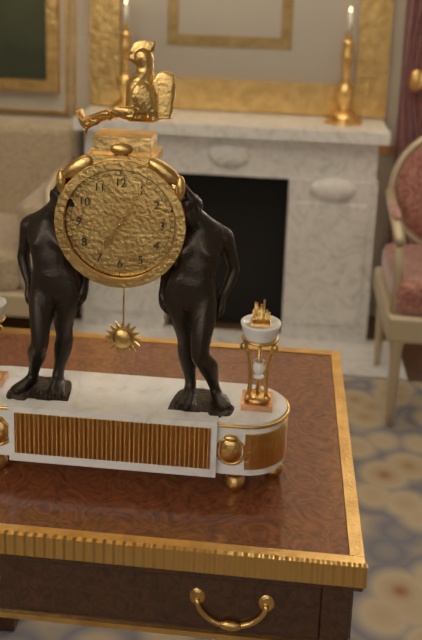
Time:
{"hour": 7, "minute": 5}
